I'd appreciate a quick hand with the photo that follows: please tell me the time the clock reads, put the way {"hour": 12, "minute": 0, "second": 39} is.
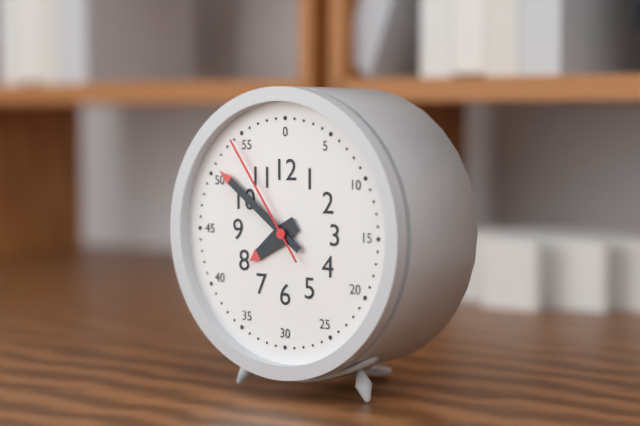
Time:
{"hour": 7, "minute": 51, "second": 54}
